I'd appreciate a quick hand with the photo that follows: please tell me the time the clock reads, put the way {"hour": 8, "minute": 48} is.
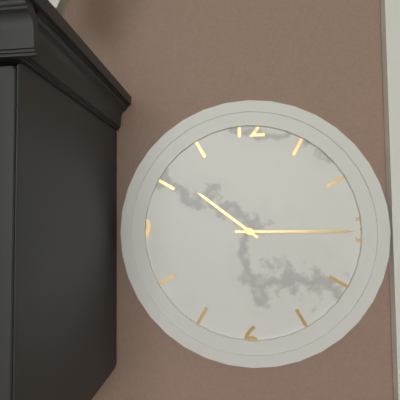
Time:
{"hour": 10, "minute": 15}
